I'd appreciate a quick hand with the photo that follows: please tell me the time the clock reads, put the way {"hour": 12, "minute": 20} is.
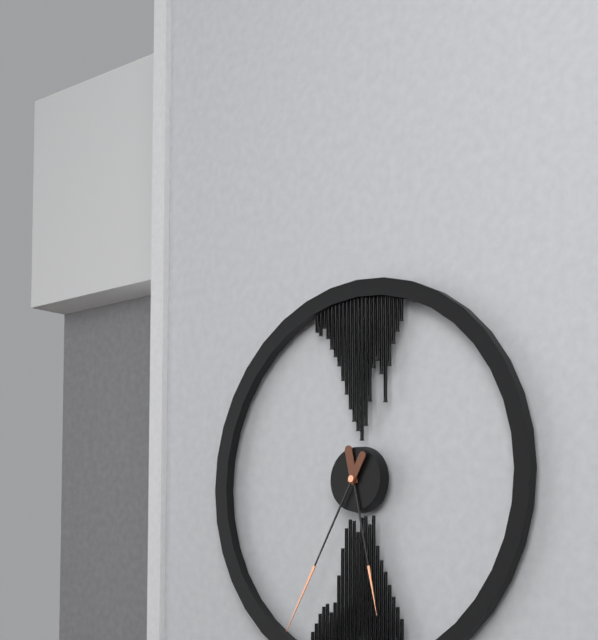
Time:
{"hour": 5, "minute": 35}
